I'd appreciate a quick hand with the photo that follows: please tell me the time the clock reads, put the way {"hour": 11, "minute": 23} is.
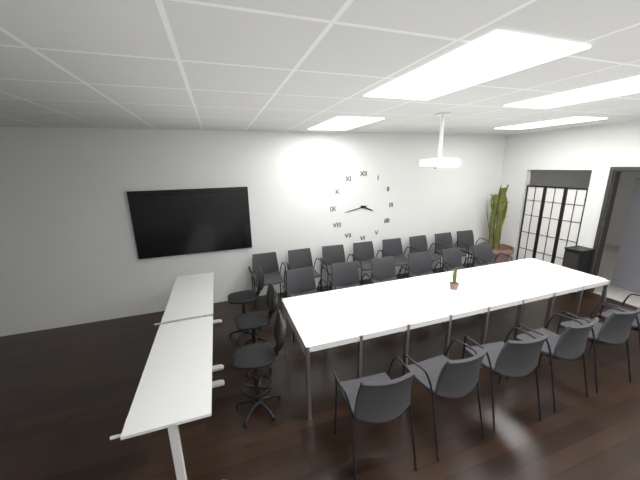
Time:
{"hour": 3, "minute": 43}
